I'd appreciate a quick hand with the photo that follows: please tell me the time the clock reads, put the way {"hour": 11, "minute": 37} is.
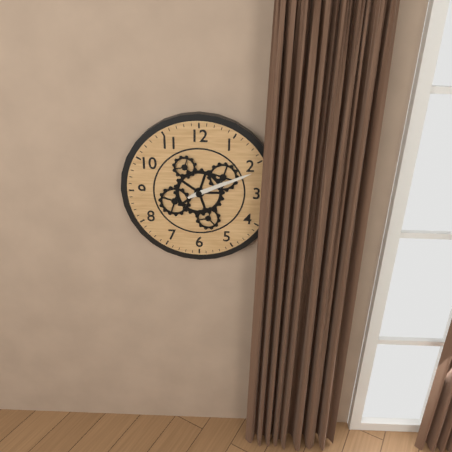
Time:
{"hour": 2, "minute": 11}
